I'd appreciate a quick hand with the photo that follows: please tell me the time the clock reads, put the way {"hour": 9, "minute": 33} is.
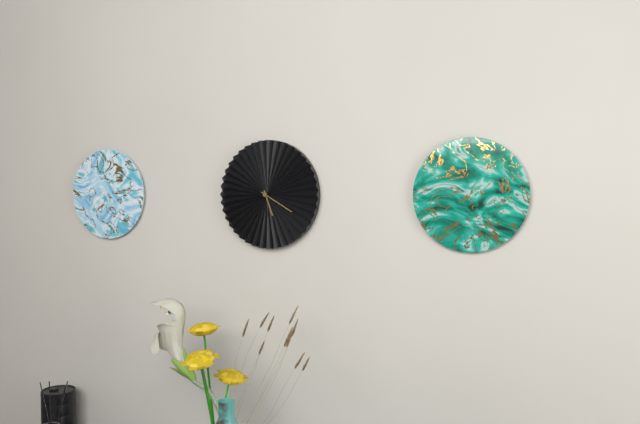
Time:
{"hour": 5, "minute": 20}
